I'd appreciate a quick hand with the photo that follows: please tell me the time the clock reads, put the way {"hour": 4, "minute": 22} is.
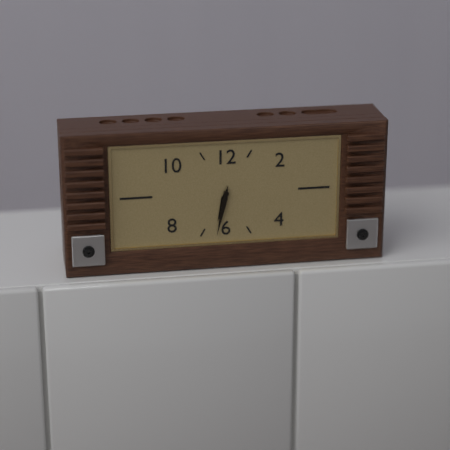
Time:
{"hour": 6, "minute": 32}
